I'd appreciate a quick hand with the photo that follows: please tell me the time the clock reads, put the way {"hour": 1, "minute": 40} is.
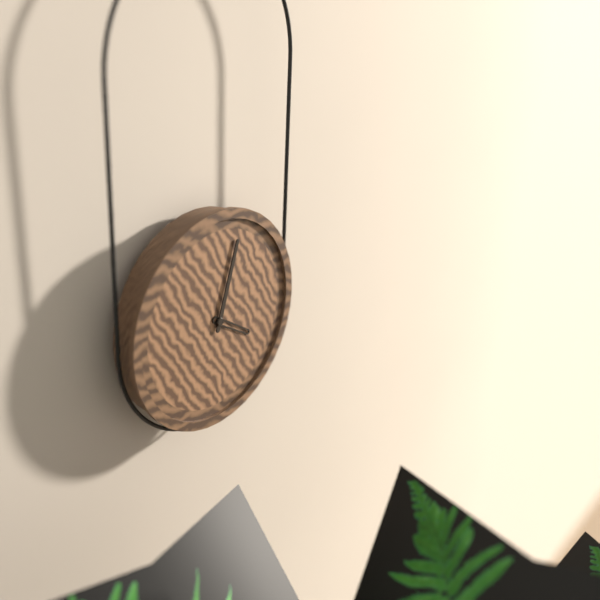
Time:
{"hour": 4, "minute": 3}
